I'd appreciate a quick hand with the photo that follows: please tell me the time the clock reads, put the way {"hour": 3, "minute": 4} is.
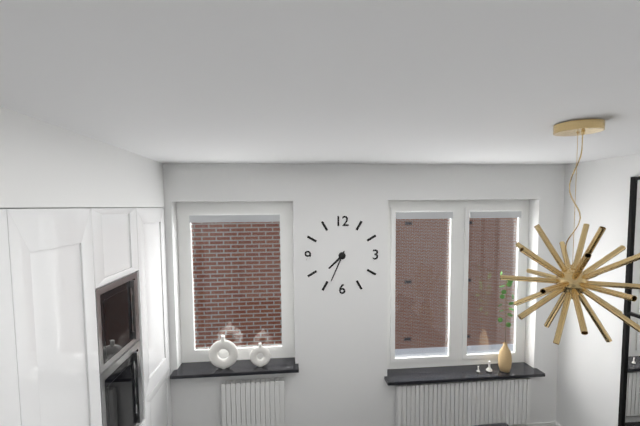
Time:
{"hour": 7, "minute": 34}
